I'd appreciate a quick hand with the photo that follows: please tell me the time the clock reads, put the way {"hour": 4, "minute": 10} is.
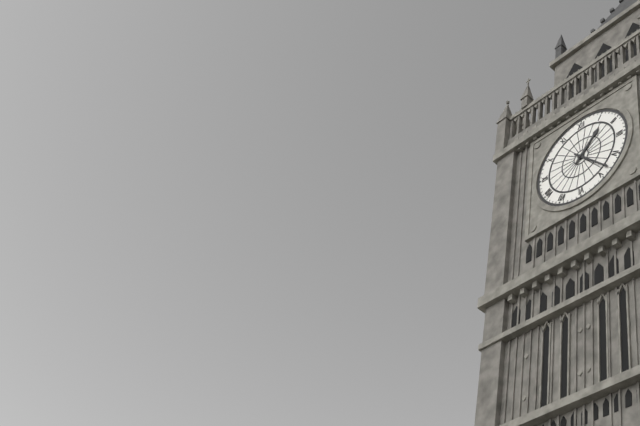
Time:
{"hour": 1, "minute": 23}
